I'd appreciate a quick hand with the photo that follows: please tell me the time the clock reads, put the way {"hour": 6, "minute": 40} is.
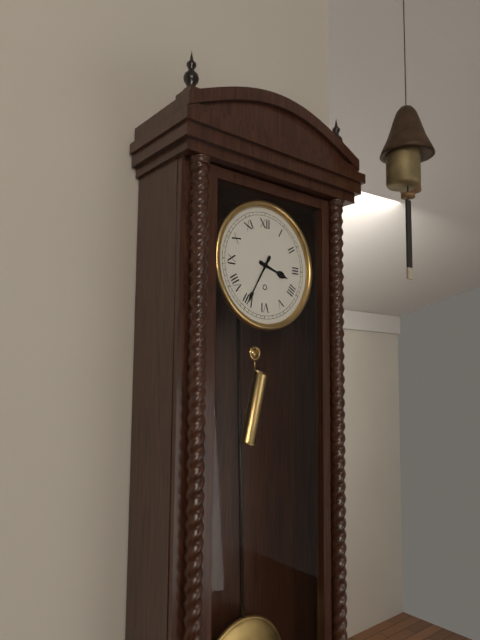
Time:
{"hour": 3, "minute": 35}
